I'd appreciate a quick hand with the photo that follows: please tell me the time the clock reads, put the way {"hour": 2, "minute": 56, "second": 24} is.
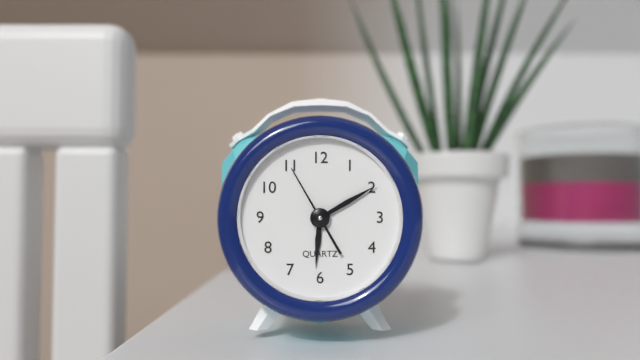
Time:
{"hour": 6, "minute": 10, "second": 55}
